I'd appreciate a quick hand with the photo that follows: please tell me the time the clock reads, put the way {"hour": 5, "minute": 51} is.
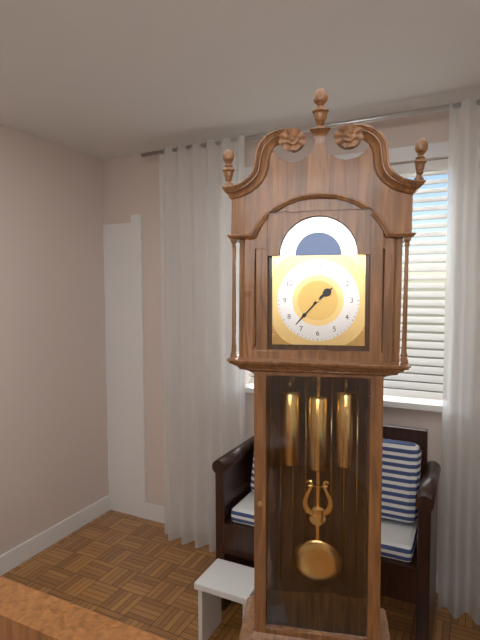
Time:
{"hour": 1, "minute": 37}
